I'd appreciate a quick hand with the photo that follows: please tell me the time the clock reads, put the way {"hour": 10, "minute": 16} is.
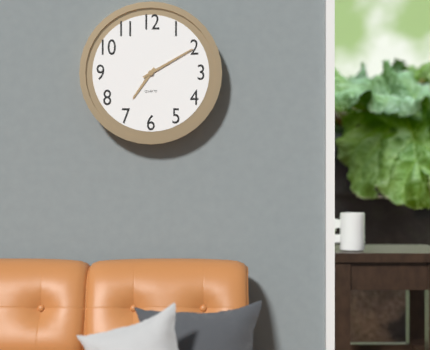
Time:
{"hour": 7, "minute": 10}
